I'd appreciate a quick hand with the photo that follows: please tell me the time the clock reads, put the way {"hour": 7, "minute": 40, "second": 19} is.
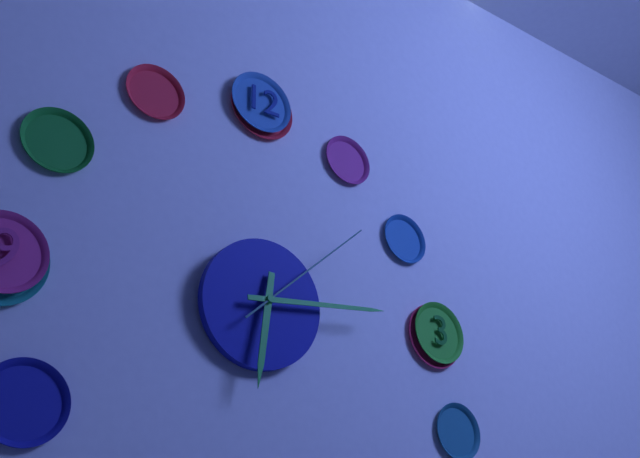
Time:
{"hour": 6, "minute": 14, "second": 8}
